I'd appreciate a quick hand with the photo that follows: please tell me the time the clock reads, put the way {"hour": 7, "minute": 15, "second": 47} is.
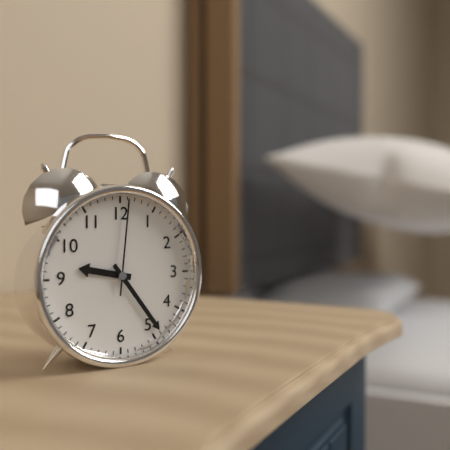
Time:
{"hour": 9, "minute": 24, "second": 1}
